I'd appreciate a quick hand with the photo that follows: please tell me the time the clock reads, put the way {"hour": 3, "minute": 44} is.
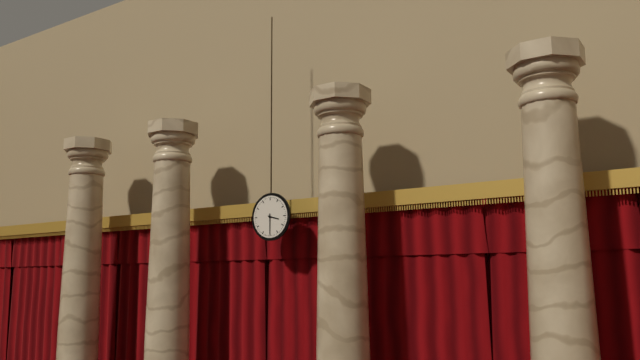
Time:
{"hour": 3, "minute": 30}
